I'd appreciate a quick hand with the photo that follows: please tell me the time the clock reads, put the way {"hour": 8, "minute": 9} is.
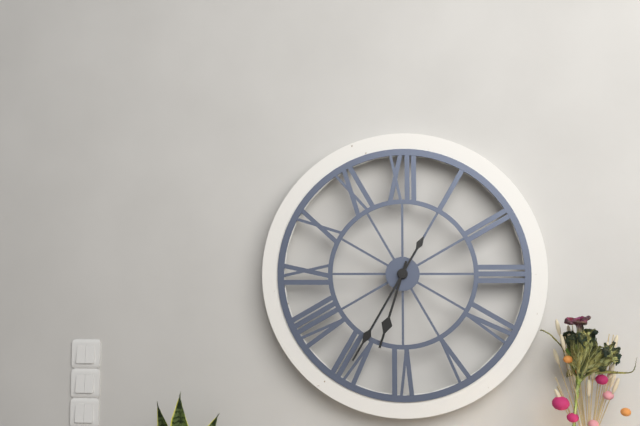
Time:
{"hour": 6, "minute": 35}
